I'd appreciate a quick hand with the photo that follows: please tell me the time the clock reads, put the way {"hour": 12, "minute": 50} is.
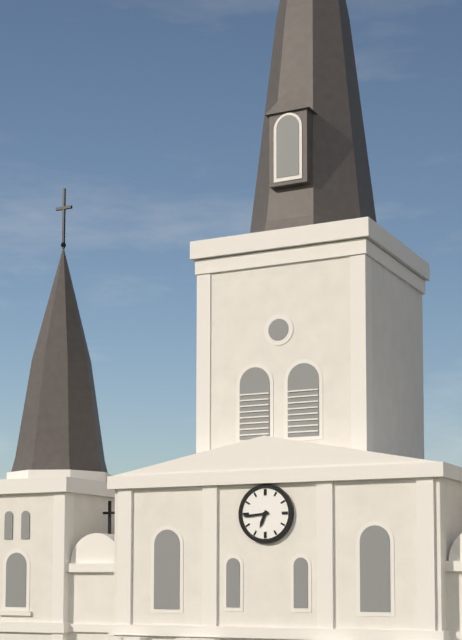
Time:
{"hour": 6, "minute": 44}
